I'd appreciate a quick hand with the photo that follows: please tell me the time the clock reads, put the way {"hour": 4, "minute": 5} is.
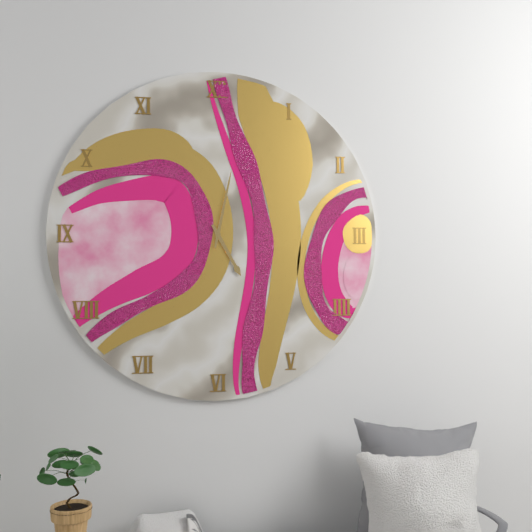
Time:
{"hour": 5, "minute": 2}
